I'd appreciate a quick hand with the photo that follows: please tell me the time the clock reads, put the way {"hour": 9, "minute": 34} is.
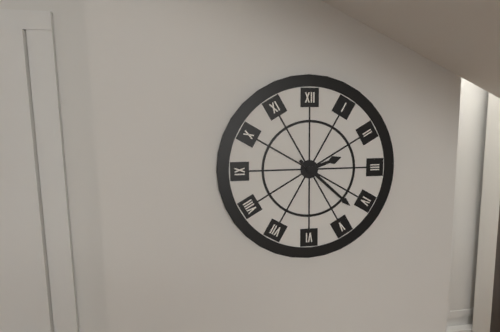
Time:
{"hour": 2, "minute": 22}
